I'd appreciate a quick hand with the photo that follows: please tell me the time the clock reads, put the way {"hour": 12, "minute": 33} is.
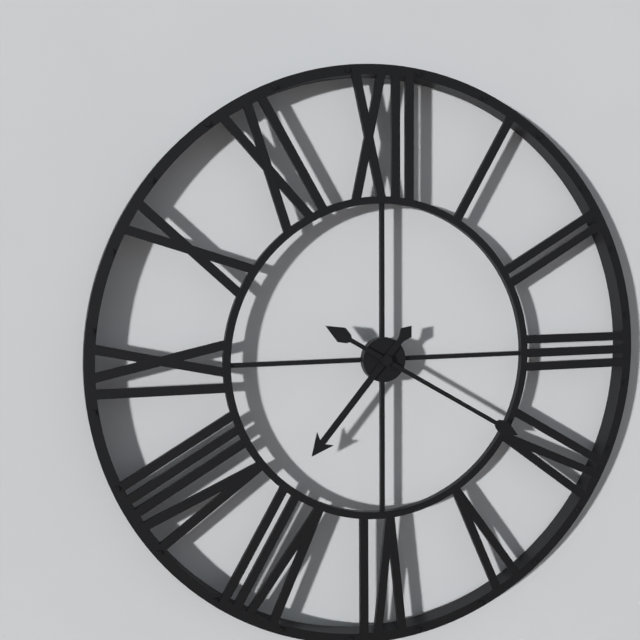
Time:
{"hour": 7, "minute": 20}
